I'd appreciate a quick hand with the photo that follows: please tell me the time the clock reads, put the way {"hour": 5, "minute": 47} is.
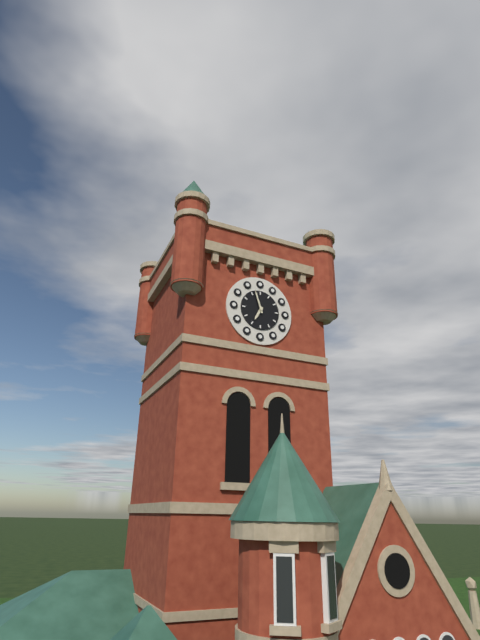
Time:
{"hour": 6, "minute": 57}
